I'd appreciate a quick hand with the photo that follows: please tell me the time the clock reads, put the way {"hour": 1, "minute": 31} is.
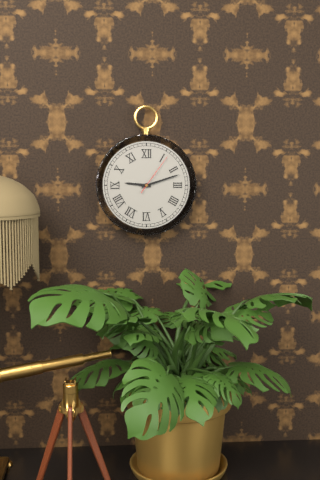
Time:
{"hour": 9, "minute": 12}
